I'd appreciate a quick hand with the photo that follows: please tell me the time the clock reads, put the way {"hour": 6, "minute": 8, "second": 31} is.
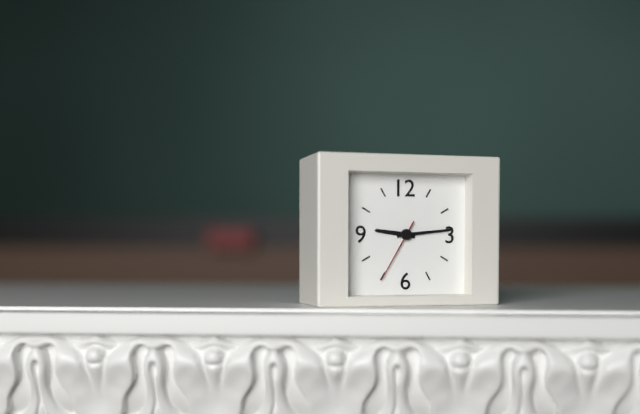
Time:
{"hour": 9, "minute": 14, "second": 35}
